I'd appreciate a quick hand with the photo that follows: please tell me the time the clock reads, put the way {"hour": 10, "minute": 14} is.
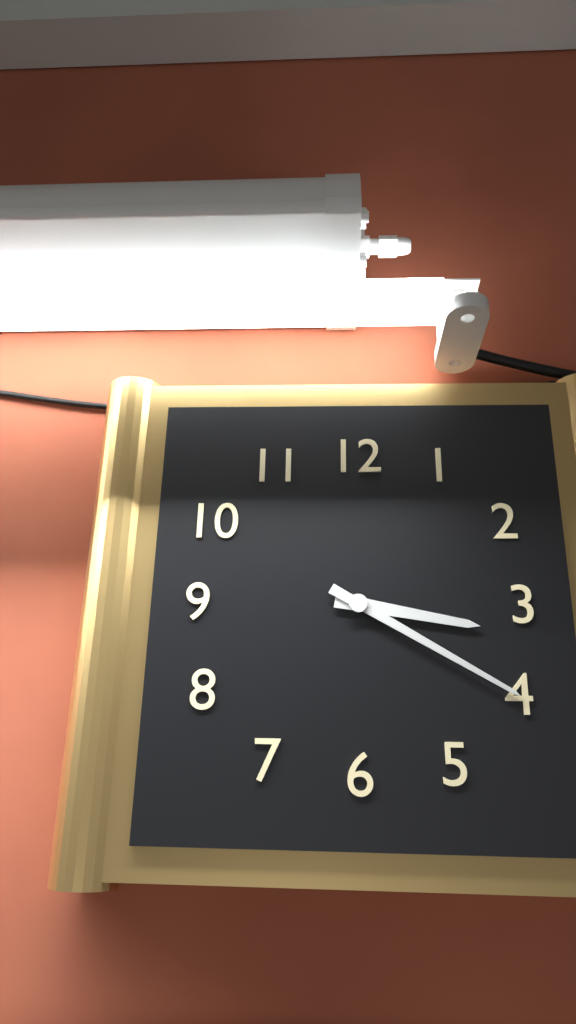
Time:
{"hour": 3, "minute": 20}
